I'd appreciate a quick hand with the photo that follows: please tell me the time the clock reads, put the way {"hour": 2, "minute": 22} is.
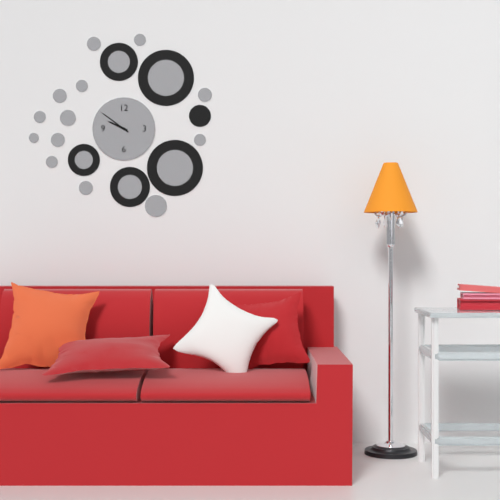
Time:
{"hour": 9, "minute": 51}
